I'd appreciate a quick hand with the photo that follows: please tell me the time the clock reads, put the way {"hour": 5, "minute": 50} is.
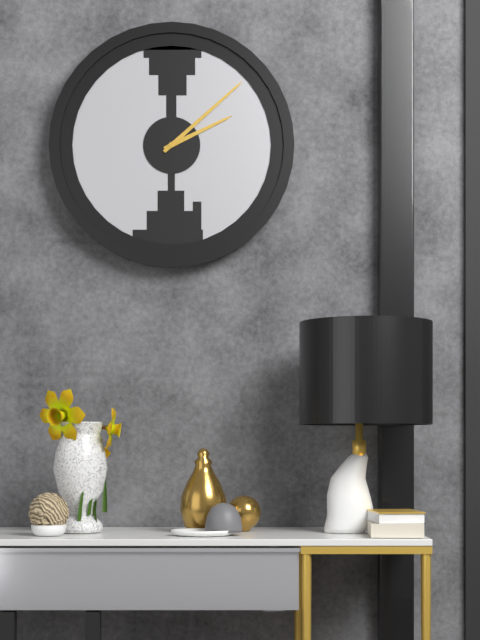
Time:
{"hour": 2, "minute": 8}
